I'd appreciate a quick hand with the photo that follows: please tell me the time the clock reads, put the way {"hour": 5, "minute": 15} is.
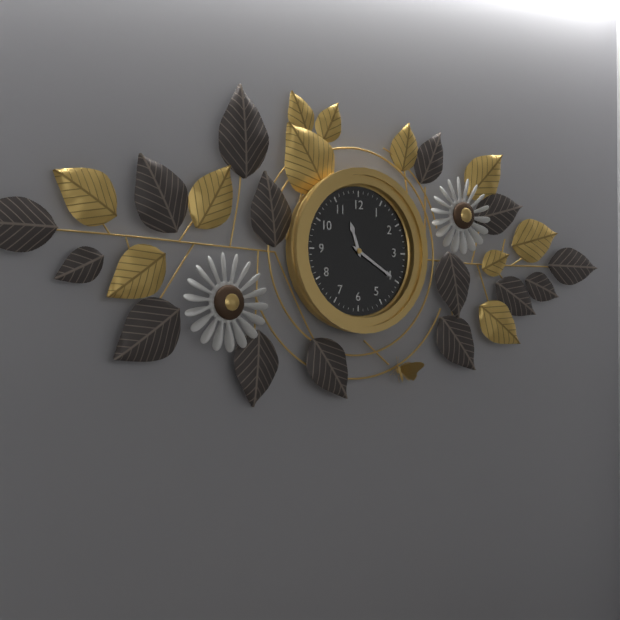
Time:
{"hour": 11, "minute": 20}
